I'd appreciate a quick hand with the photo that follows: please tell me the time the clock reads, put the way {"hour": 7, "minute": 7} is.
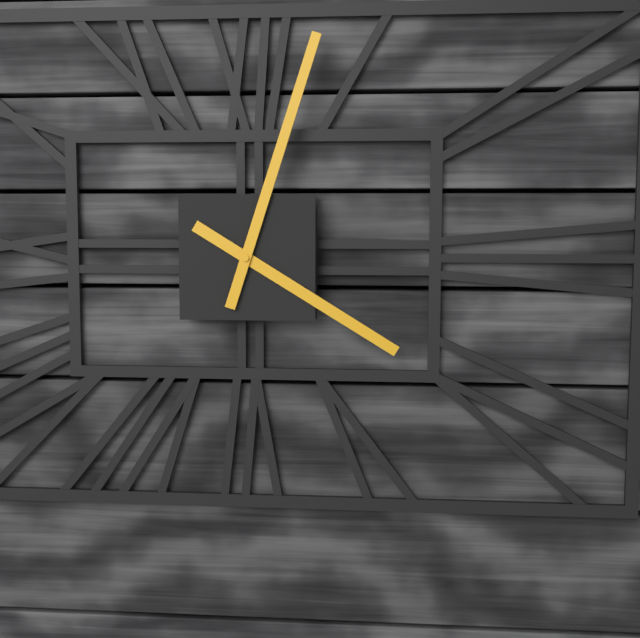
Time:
{"hour": 4, "minute": 3}
